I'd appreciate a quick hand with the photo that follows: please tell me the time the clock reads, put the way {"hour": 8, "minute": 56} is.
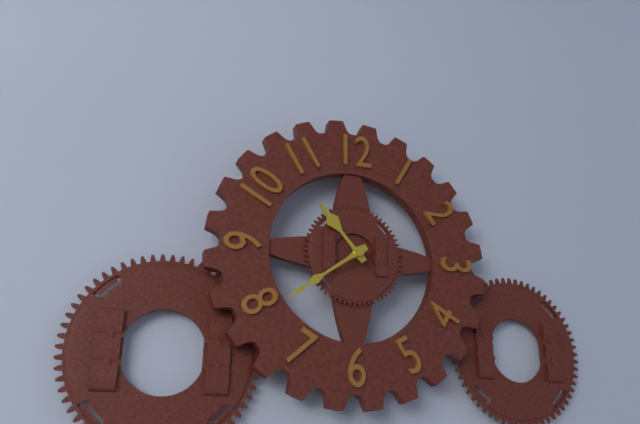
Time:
{"hour": 10, "minute": 39}
